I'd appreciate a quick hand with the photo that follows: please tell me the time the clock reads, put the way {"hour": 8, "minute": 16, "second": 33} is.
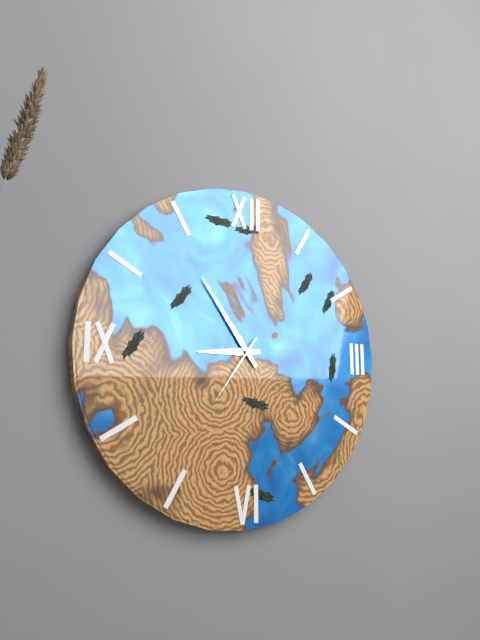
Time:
{"hour": 8, "minute": 54, "second": 36}
